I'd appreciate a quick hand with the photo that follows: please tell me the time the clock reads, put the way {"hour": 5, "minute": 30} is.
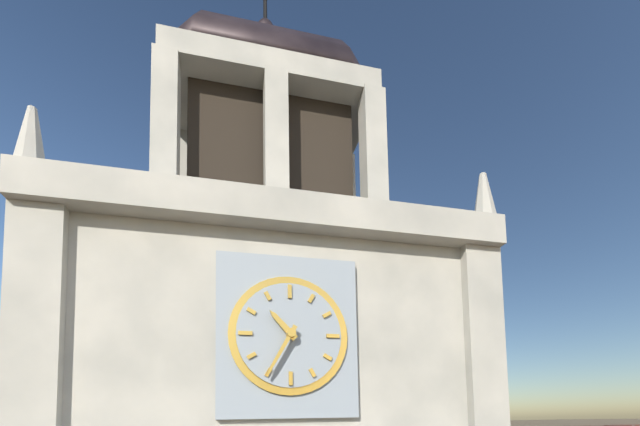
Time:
{"hour": 10, "minute": 35}
